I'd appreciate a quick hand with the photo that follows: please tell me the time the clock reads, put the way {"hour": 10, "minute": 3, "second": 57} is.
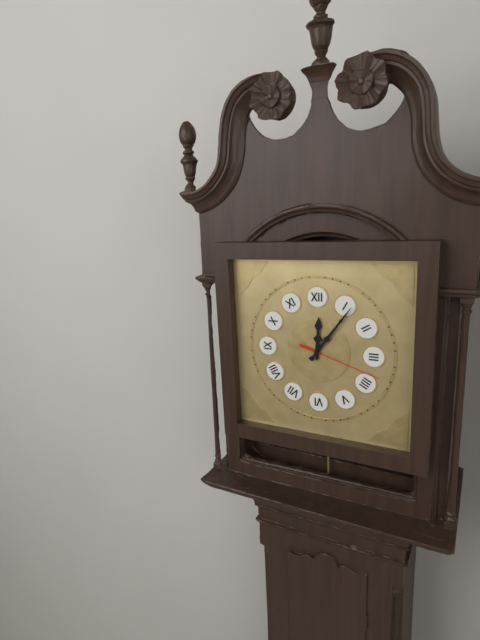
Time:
{"hour": 12, "minute": 6, "second": 18}
